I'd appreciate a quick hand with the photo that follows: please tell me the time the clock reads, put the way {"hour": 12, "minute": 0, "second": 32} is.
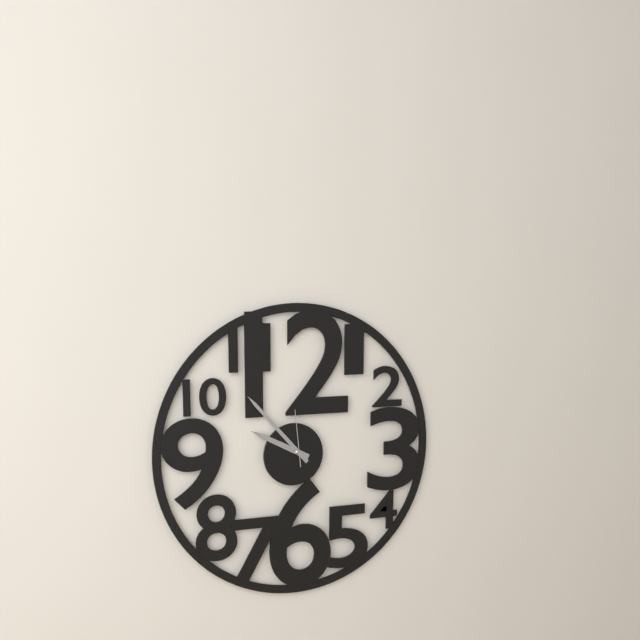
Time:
{"hour": 9, "minute": 53, "second": 59}
